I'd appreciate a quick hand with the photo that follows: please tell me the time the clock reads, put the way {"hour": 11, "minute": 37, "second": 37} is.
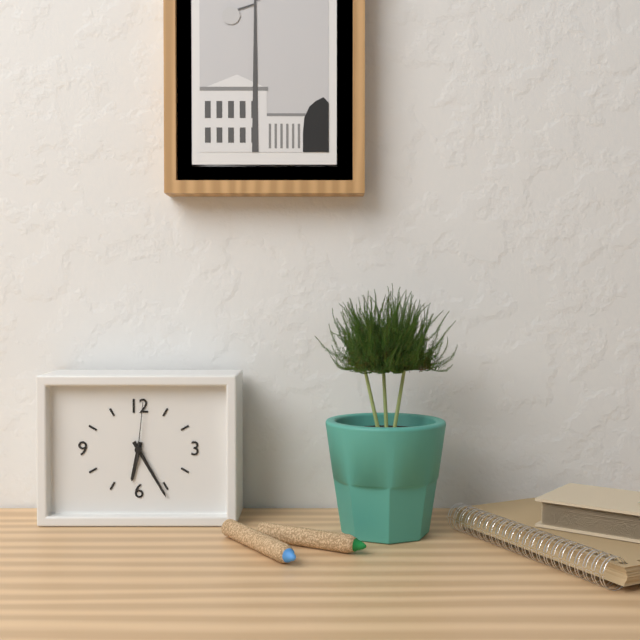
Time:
{"hour": 6, "minute": 25, "second": 1}
